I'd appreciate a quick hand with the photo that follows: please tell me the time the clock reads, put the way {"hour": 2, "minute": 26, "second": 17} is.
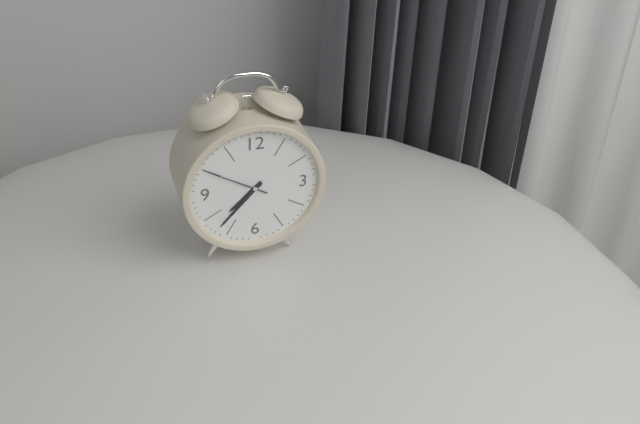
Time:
{"hour": 7, "minute": 37, "second": 50}
